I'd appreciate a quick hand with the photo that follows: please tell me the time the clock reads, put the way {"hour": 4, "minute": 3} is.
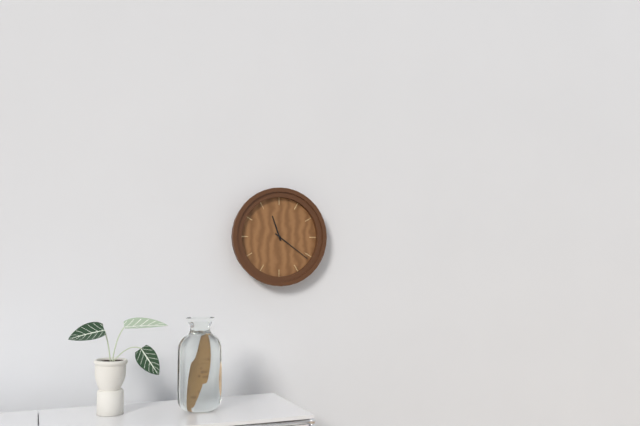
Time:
{"hour": 11, "minute": 21}
